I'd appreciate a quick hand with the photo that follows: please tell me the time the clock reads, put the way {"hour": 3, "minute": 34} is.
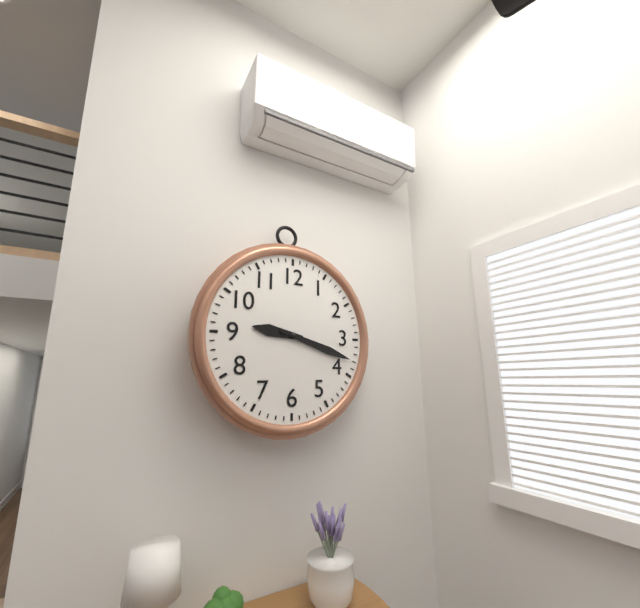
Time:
{"hour": 9, "minute": 18}
